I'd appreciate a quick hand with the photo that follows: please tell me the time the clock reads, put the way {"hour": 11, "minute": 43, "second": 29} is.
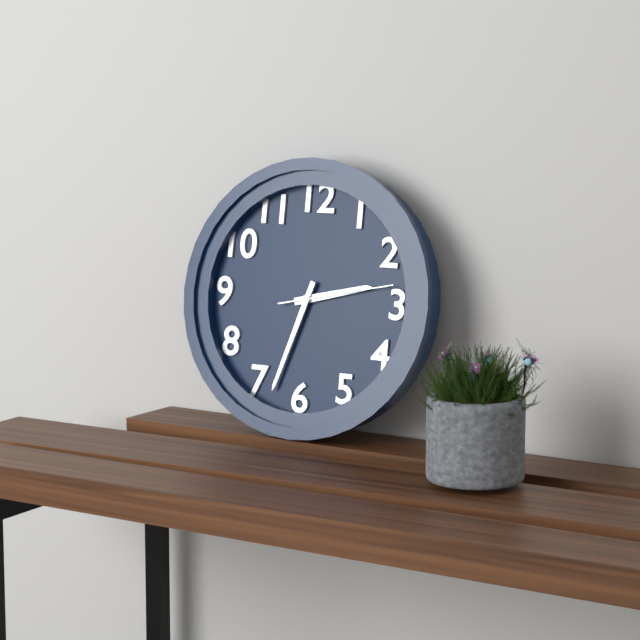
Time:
{"hour": 2, "minute": 33, "second": 13}
